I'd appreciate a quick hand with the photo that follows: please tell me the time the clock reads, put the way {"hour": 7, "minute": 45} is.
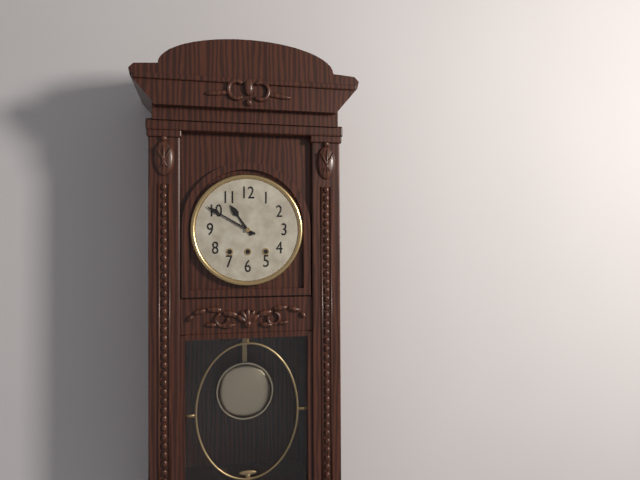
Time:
{"hour": 10, "minute": 50}
